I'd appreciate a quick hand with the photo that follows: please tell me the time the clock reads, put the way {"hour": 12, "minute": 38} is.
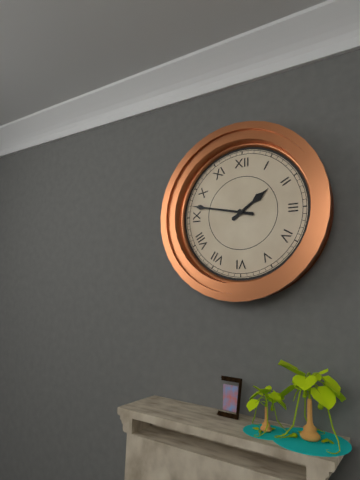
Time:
{"hour": 1, "minute": 47}
